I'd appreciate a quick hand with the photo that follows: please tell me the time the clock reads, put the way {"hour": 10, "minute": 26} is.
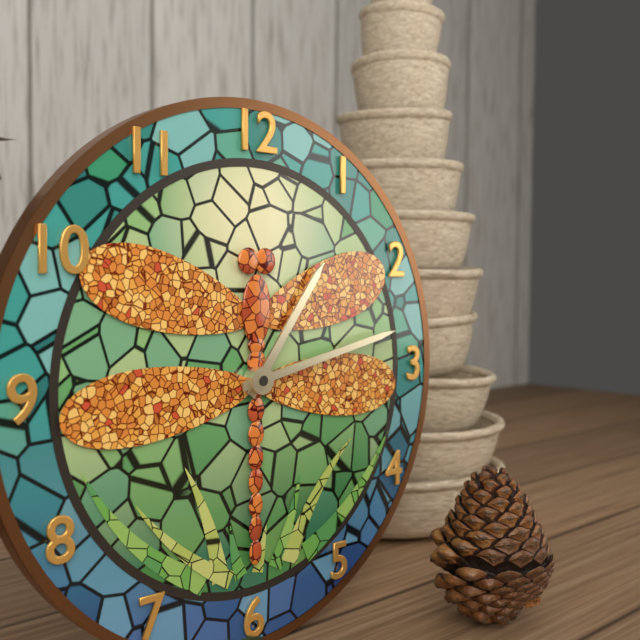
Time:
{"hour": 1, "minute": 13}
